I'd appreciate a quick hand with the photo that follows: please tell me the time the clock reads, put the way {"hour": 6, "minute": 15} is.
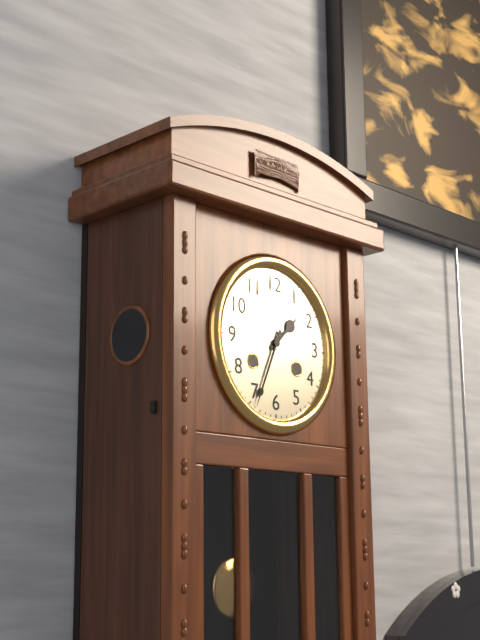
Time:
{"hour": 1, "minute": 34}
